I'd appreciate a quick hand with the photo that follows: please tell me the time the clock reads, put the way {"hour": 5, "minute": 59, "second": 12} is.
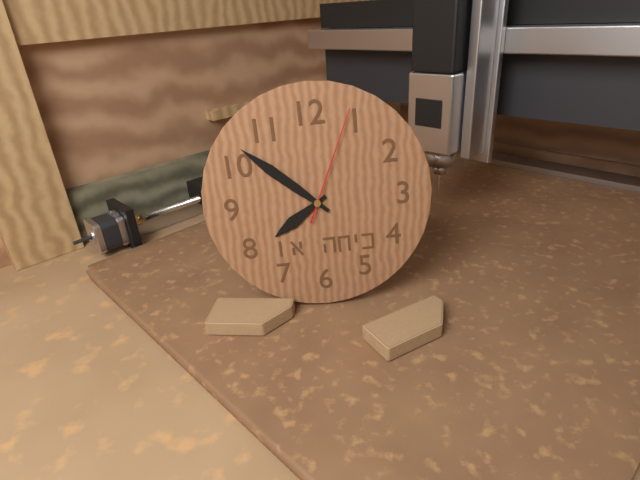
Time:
{"hour": 7, "minute": 52, "second": 4}
